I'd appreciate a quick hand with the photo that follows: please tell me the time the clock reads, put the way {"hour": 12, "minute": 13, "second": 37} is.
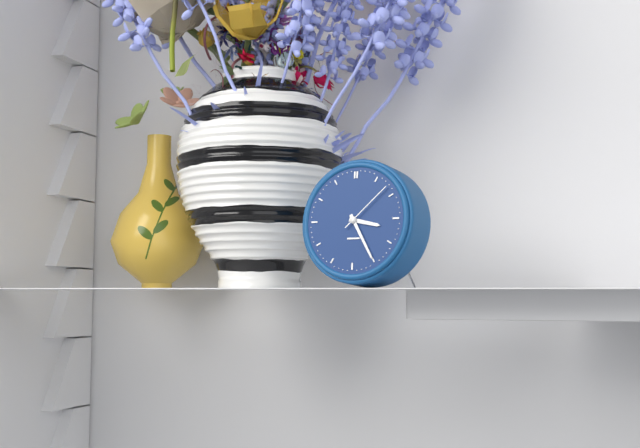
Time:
{"hour": 3, "minute": 25, "second": 8}
